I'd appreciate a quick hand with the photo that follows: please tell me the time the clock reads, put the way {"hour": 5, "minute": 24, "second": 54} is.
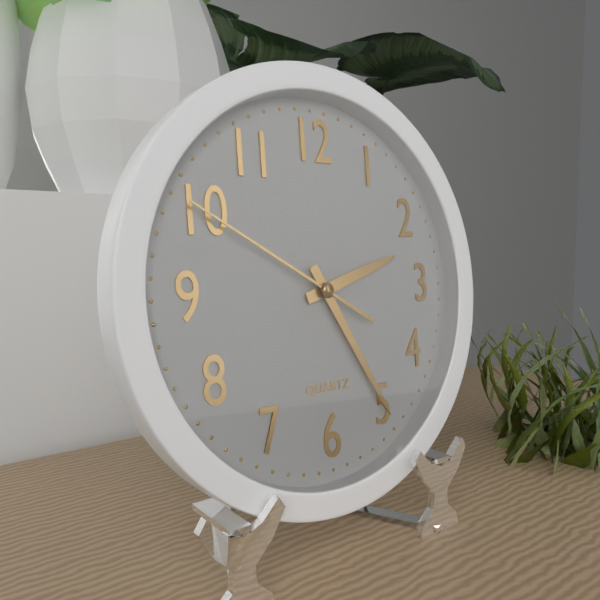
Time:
{"hour": 2, "minute": 25, "second": 50}
